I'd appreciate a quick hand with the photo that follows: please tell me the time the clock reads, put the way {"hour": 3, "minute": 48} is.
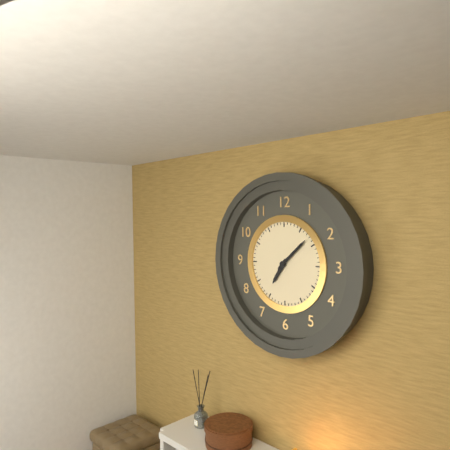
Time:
{"hour": 7, "minute": 8}
